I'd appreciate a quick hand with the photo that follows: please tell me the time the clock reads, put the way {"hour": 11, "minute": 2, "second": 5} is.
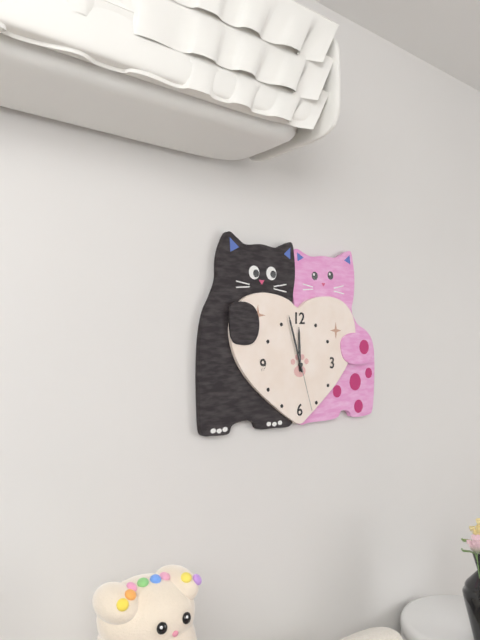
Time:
{"hour": 11, "minute": 57, "second": 27}
